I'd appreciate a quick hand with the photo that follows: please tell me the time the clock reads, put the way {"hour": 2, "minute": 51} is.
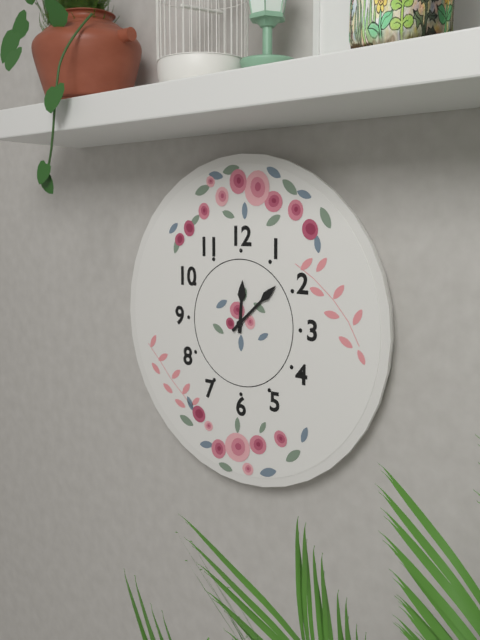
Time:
{"hour": 12, "minute": 8}
